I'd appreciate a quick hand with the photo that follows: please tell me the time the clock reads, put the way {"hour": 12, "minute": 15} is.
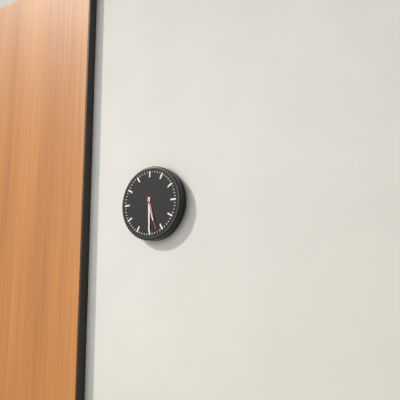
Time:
{"hour": 5, "minute": 30}
